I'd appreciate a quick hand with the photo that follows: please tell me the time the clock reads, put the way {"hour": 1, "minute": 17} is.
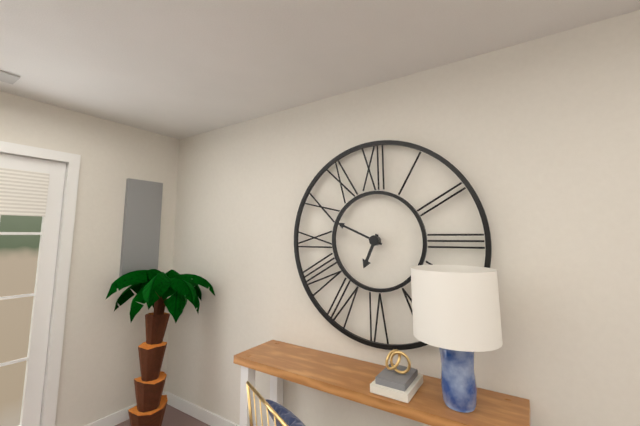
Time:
{"hour": 6, "minute": 49}
